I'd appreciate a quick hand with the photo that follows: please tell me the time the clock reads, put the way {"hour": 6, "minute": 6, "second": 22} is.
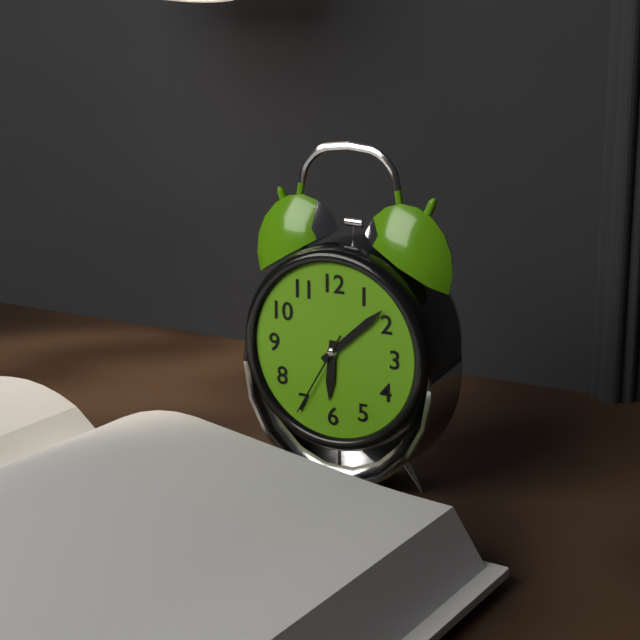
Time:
{"hour": 6, "minute": 8, "second": 35}
